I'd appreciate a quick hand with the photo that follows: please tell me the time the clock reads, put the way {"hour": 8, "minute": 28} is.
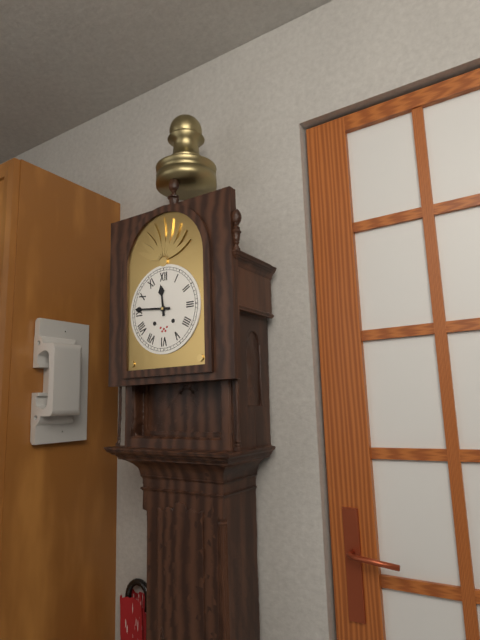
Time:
{"hour": 11, "minute": 46}
